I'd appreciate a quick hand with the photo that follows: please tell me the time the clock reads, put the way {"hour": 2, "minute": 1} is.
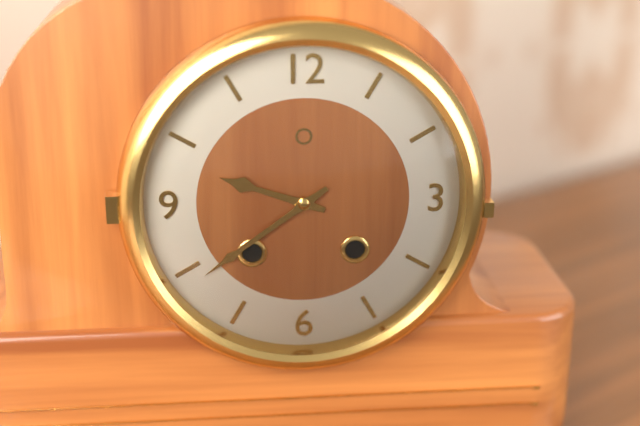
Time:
{"hour": 9, "minute": 39}
